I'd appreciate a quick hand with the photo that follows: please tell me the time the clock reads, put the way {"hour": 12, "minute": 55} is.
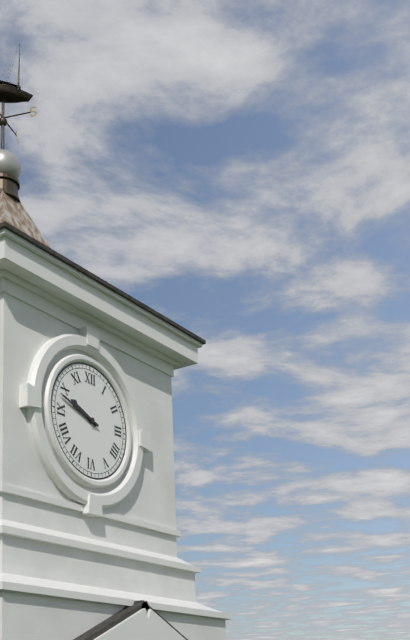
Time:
{"hour": 9, "minute": 48}
